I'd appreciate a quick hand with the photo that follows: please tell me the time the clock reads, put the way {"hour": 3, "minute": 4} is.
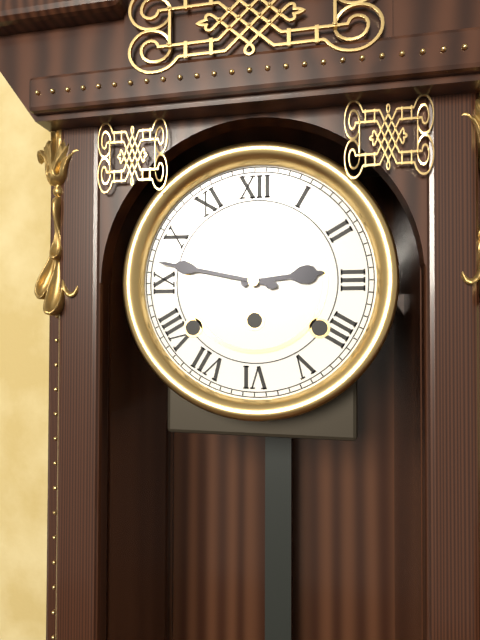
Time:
{"hour": 2, "minute": 47}
